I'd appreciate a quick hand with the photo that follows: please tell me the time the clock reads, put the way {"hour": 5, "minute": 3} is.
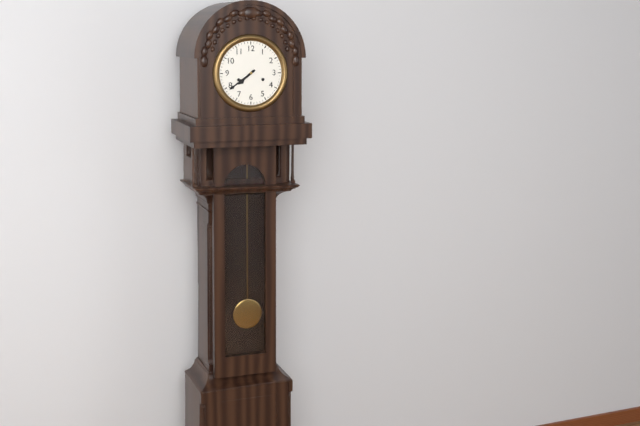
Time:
{"hour": 7, "minute": 39}
